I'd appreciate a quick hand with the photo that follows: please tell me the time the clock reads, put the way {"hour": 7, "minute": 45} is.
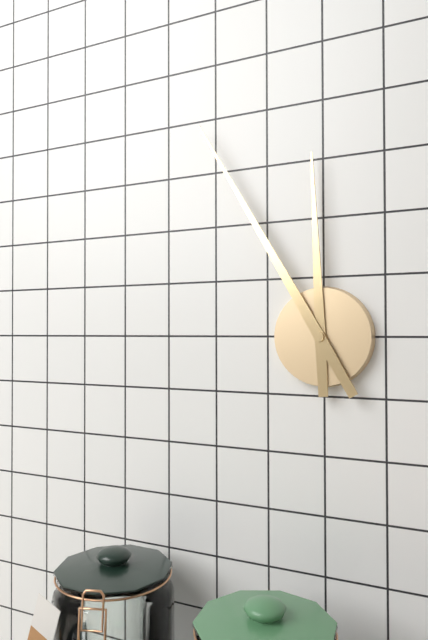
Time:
{"hour": 11, "minute": 55}
